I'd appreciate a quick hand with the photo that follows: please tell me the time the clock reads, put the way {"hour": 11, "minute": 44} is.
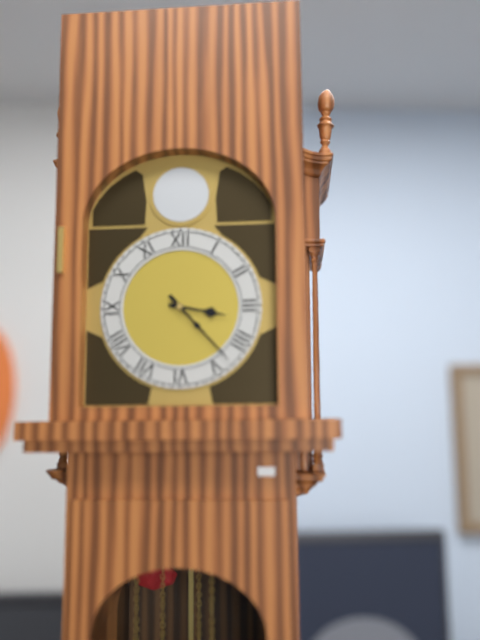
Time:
{"hour": 3, "minute": 23}
